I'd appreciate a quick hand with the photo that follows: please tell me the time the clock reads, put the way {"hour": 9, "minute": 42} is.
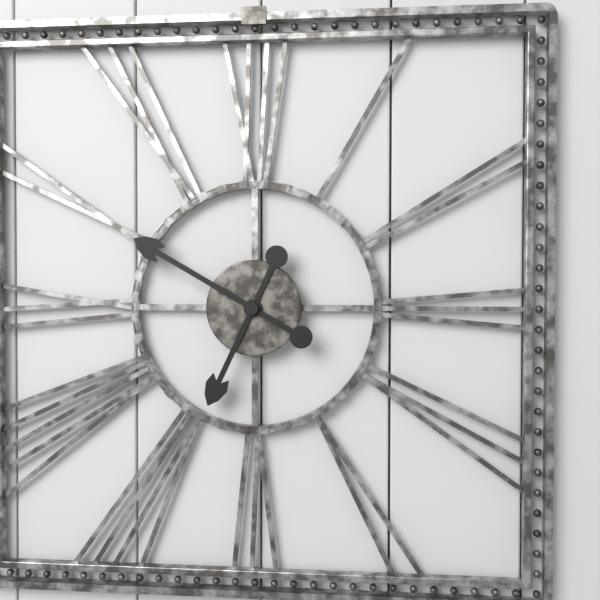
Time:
{"hour": 6, "minute": 50}
